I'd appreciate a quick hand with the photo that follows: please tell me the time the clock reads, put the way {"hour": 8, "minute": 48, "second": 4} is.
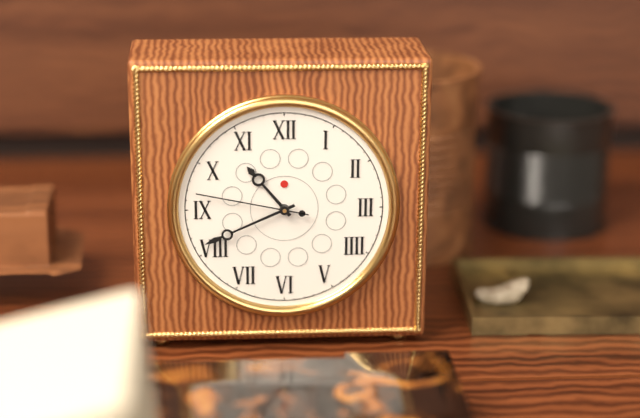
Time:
{"hour": 10, "minute": 41, "second": 47}
